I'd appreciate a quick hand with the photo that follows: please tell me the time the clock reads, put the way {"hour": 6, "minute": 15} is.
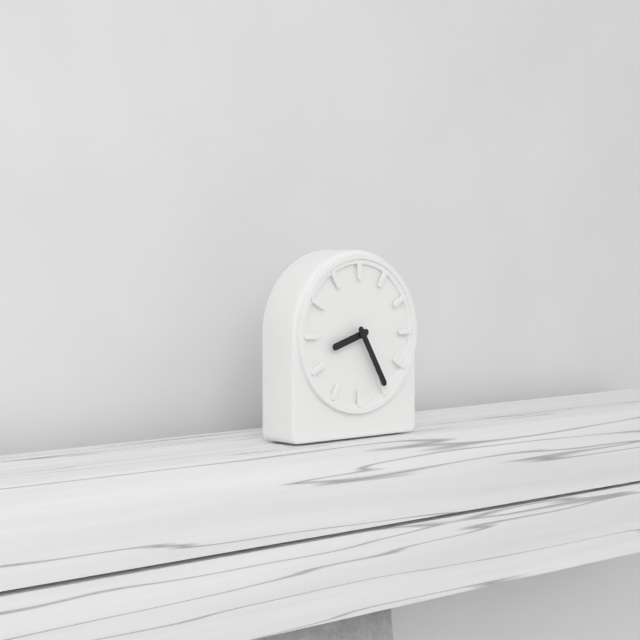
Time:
{"hour": 8, "minute": 25}
